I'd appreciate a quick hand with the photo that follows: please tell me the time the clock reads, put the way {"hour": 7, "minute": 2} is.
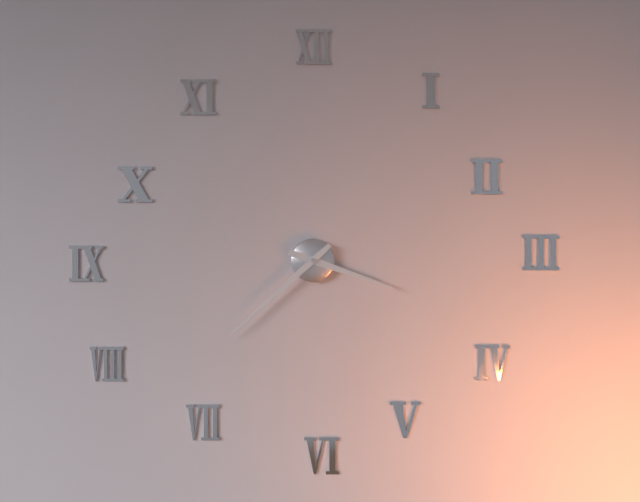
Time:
{"hour": 3, "minute": 38}
